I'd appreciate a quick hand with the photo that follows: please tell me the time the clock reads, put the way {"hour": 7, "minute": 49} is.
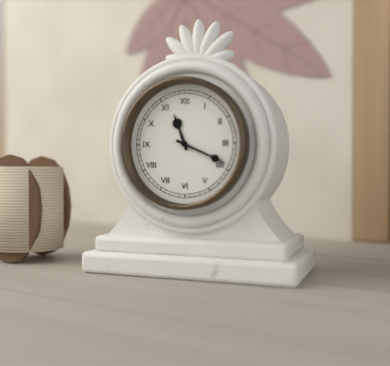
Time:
{"hour": 11, "minute": 19}
